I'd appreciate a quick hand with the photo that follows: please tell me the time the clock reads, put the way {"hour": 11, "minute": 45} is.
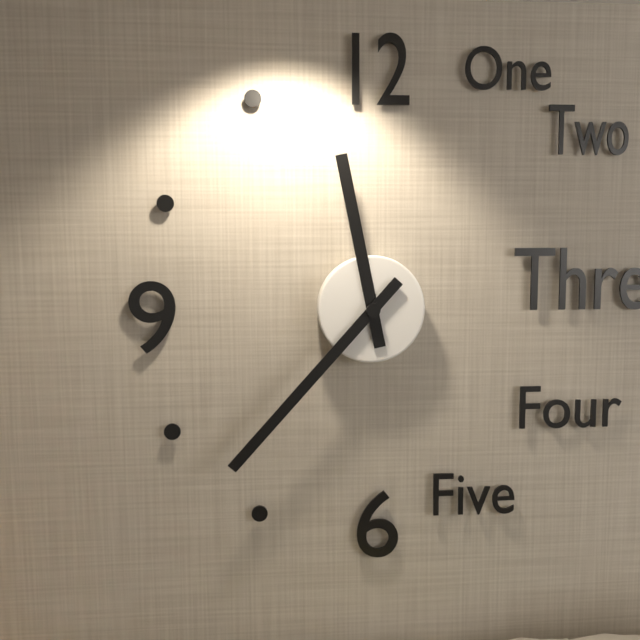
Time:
{"hour": 11, "minute": 37}
